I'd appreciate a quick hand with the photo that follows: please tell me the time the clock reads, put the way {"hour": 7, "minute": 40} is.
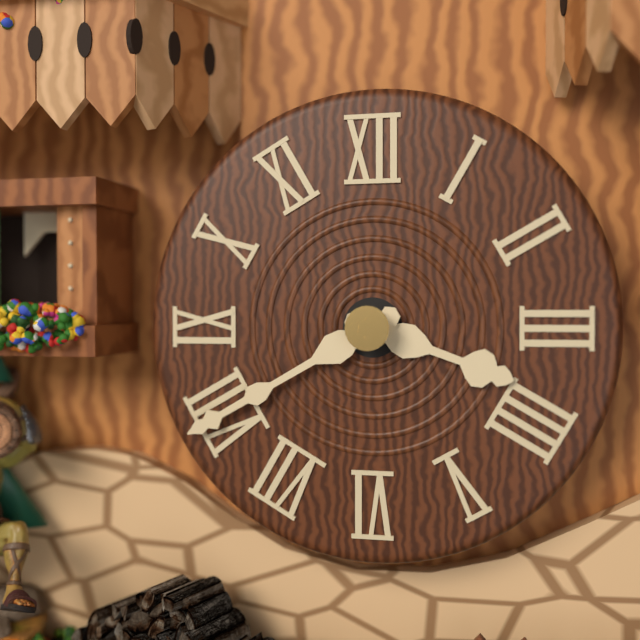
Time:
{"hour": 3, "minute": 40}
